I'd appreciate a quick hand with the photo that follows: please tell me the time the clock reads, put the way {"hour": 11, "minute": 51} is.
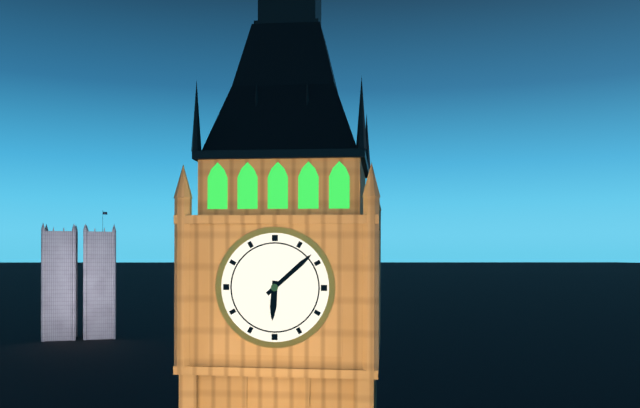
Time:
{"hour": 6, "minute": 8}
